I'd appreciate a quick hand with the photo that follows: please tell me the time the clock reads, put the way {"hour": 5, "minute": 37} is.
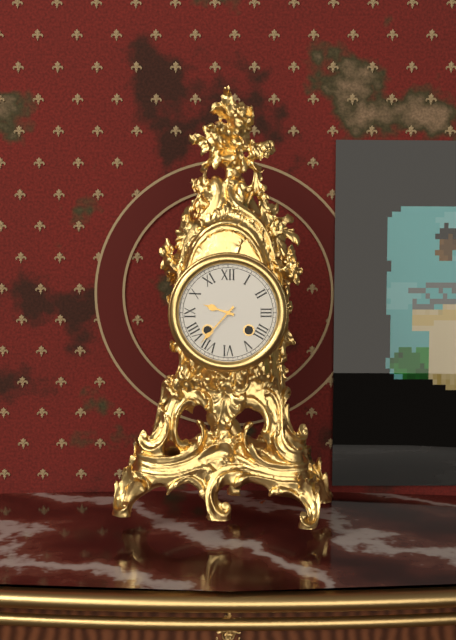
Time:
{"hour": 9, "minute": 37}
